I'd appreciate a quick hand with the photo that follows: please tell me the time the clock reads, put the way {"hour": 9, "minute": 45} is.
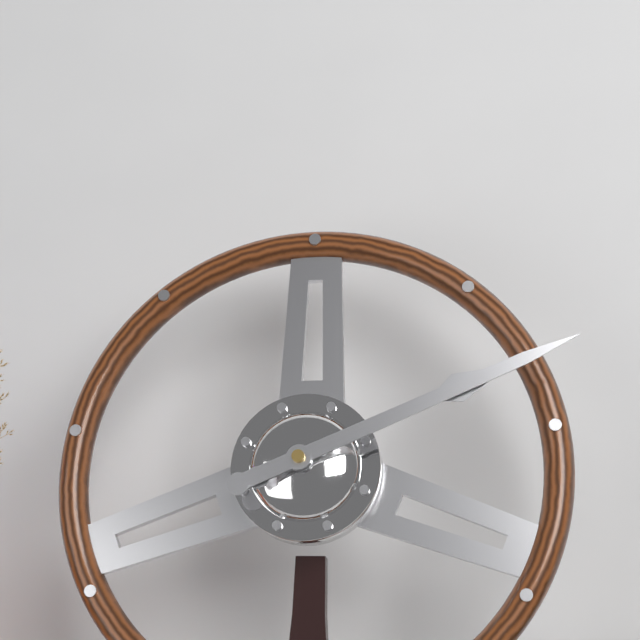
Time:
{"hour": 2, "minute": 11}
